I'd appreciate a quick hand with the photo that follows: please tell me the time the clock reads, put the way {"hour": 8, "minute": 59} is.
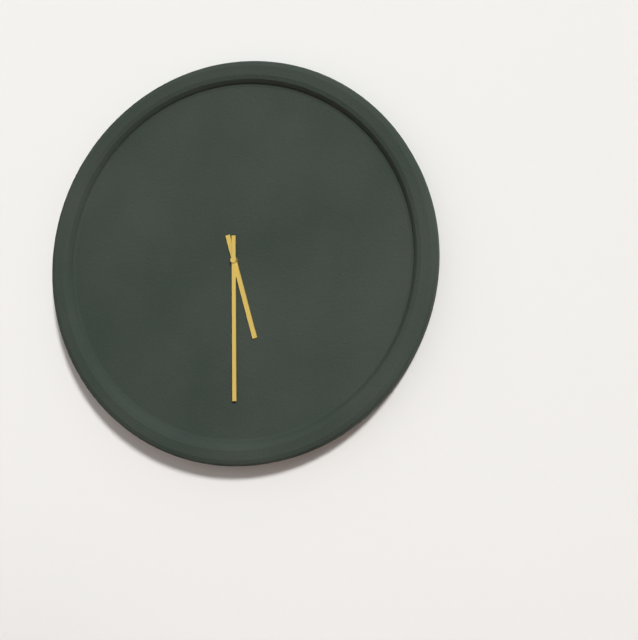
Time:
{"hour": 5, "minute": 30}
